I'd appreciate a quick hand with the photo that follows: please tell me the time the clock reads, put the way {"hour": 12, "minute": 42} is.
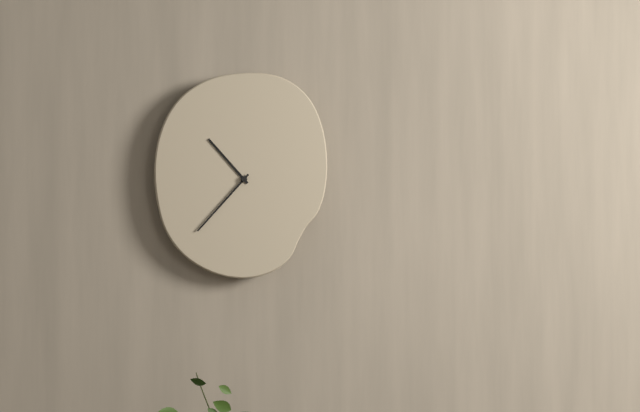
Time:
{"hour": 10, "minute": 37}
